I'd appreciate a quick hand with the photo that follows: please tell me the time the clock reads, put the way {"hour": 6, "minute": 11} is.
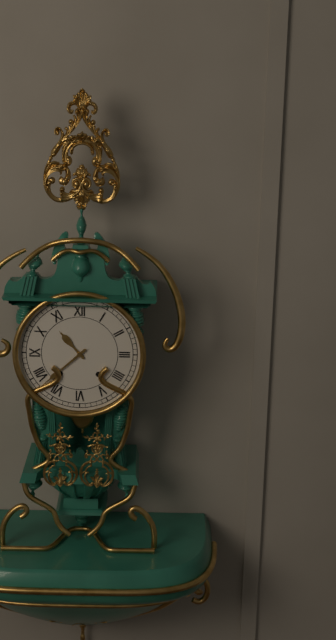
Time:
{"hour": 10, "minute": 38}
